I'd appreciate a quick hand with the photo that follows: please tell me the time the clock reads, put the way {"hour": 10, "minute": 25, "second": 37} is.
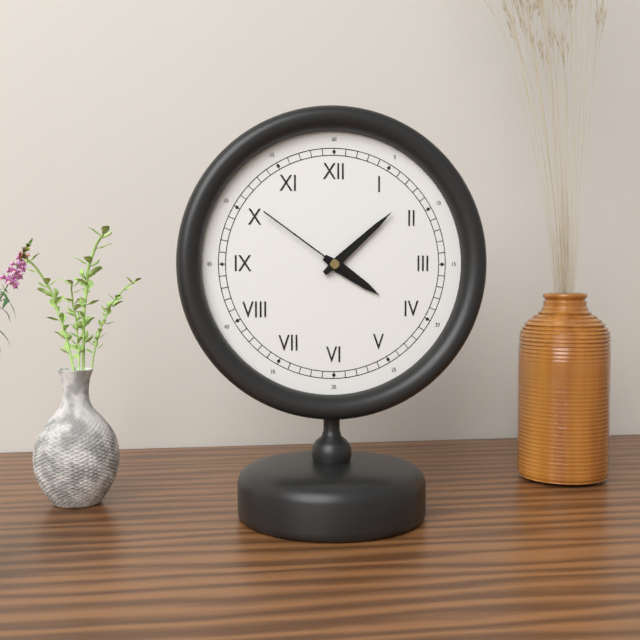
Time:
{"hour": 4, "minute": 8, "second": 51}
